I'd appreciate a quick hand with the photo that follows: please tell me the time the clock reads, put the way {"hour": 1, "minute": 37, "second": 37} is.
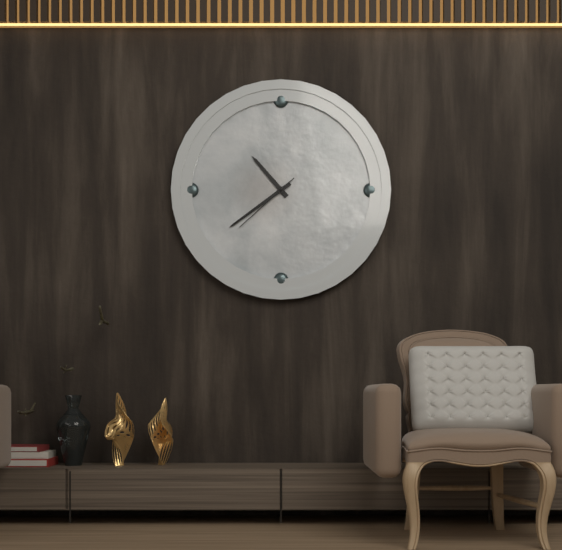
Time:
{"hour": 10, "minute": 39, "second": 38}
